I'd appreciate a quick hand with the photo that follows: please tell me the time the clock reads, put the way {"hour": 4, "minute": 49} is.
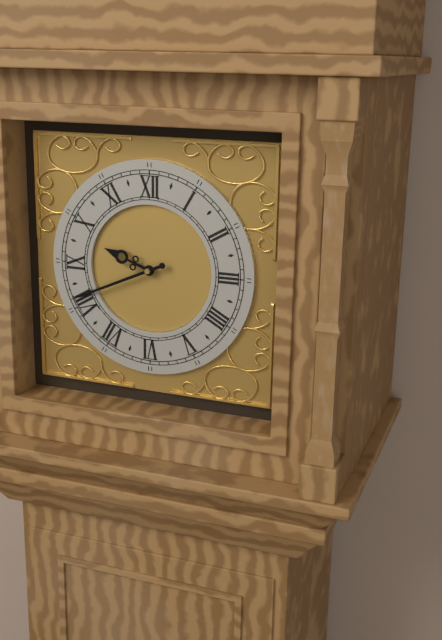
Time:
{"hour": 9, "minute": 41}
